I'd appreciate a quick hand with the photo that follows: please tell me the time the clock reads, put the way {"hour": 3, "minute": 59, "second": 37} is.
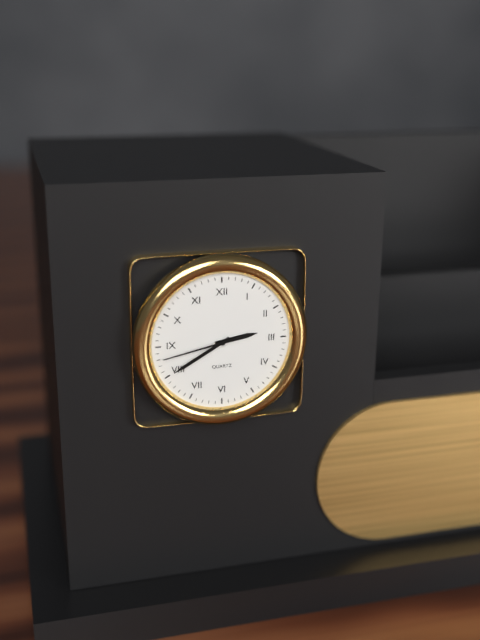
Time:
{"hour": 2, "minute": 40, "second": 43}
